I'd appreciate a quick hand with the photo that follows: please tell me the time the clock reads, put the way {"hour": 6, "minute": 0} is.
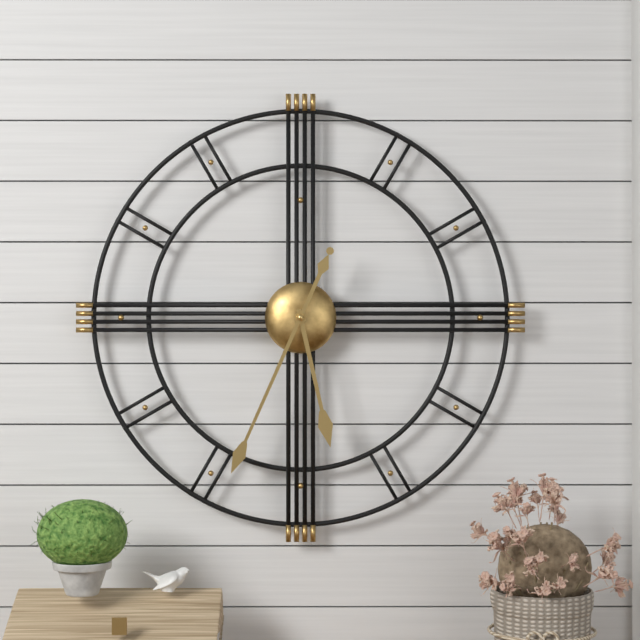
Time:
{"hour": 5, "minute": 34}
